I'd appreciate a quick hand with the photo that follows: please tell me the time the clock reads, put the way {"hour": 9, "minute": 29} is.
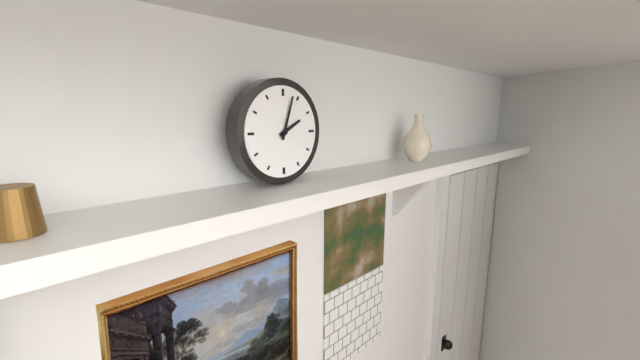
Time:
{"hour": 2, "minute": 3}
